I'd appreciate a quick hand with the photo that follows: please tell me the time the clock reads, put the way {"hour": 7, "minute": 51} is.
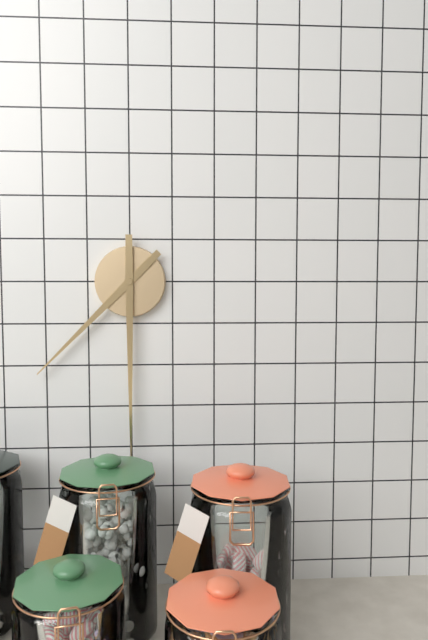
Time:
{"hour": 7, "minute": 30}
